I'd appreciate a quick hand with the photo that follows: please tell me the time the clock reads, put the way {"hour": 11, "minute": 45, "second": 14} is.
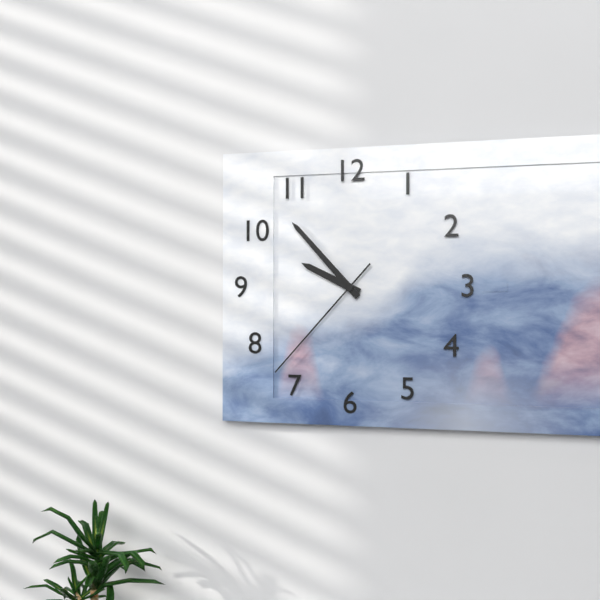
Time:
{"hour": 9, "minute": 53, "second": 37}
